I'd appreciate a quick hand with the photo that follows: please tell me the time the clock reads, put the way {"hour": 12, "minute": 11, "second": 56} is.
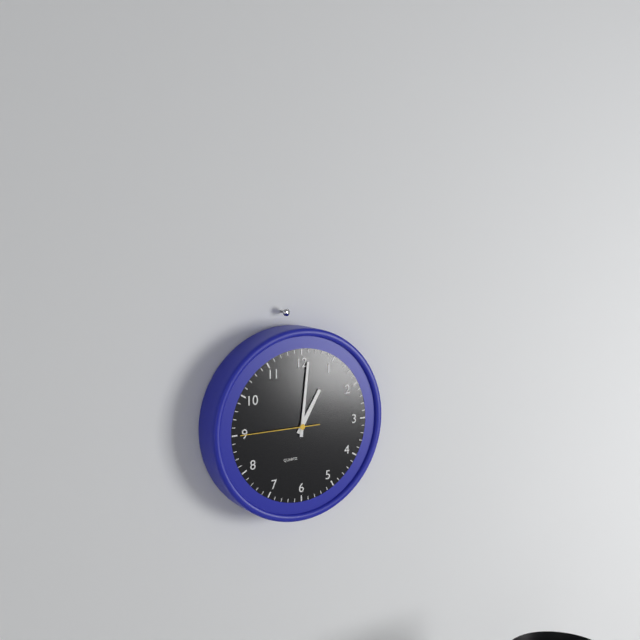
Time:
{"hour": 1, "minute": 1, "second": 45}
